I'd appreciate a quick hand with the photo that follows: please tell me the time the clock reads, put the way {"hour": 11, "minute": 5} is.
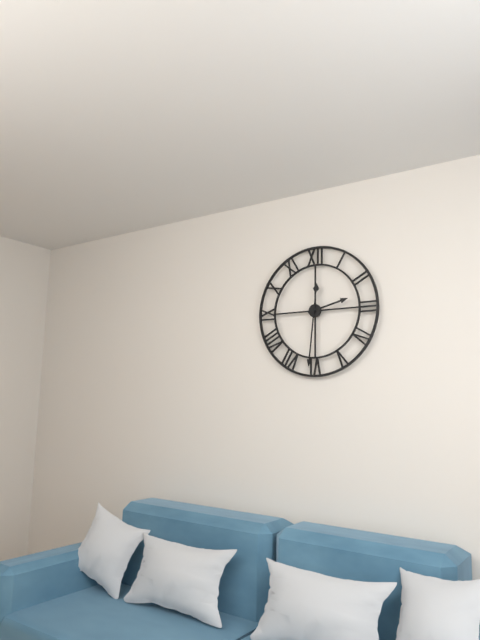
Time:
{"hour": 2, "minute": 31}
